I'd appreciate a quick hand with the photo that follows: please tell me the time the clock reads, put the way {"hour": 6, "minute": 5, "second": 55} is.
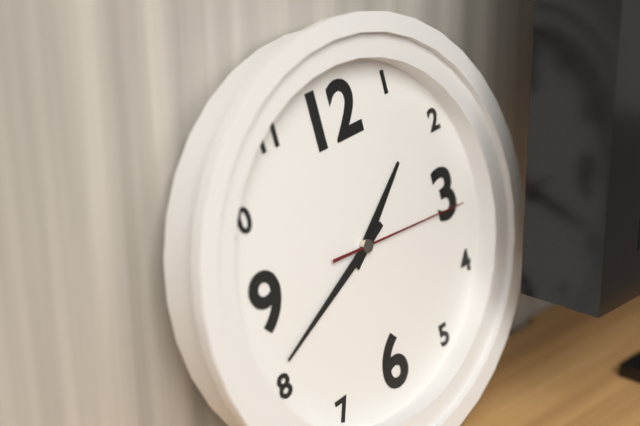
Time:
{"hour": 1, "minute": 41, "second": 16}
